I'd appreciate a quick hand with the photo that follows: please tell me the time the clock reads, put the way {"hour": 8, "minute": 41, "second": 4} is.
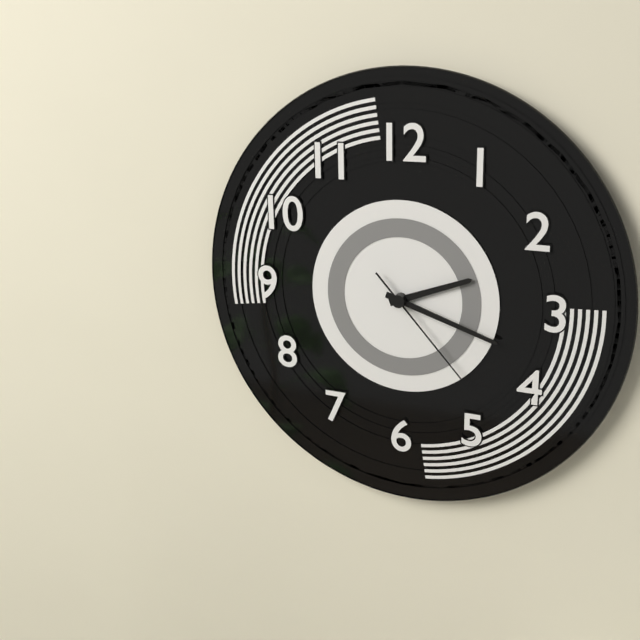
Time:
{"hour": 2, "minute": 18, "second": 23}
